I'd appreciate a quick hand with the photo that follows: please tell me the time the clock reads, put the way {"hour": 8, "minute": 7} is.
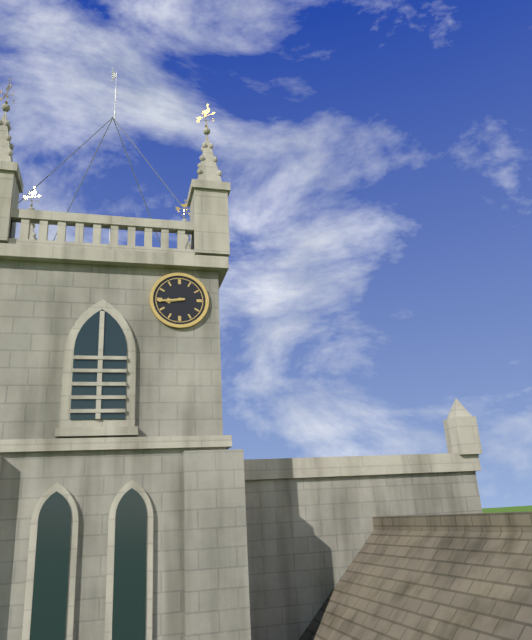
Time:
{"hour": 8, "minute": 44}
